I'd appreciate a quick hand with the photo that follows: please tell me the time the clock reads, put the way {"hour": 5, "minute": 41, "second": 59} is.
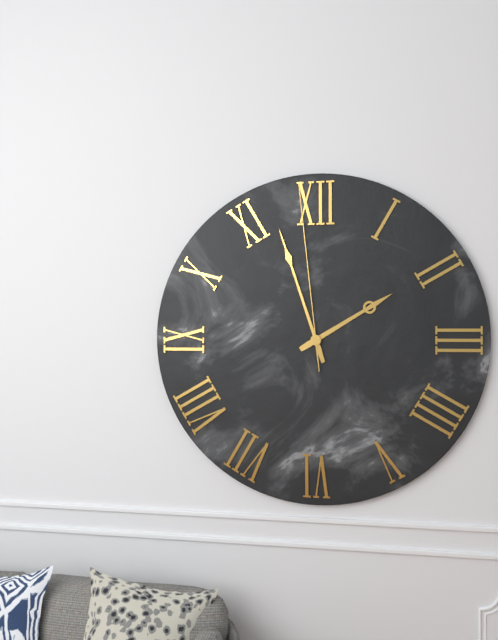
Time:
{"hour": 1, "minute": 57, "second": 59}
